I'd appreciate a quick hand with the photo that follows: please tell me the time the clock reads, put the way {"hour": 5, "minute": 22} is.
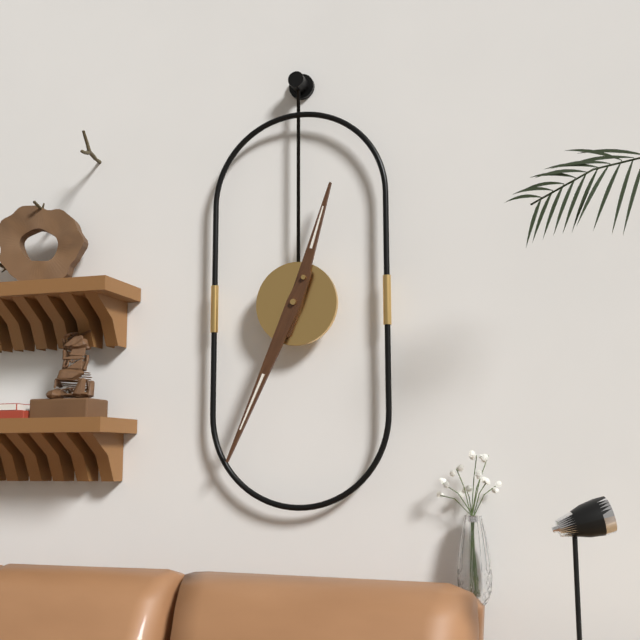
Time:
{"hour": 12, "minute": 34}
